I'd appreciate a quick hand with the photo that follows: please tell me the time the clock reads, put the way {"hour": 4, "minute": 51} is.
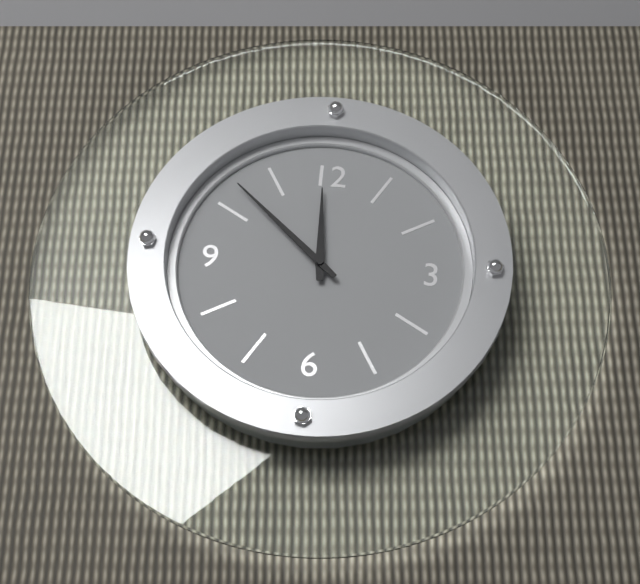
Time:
{"hour": 11, "minute": 52}
